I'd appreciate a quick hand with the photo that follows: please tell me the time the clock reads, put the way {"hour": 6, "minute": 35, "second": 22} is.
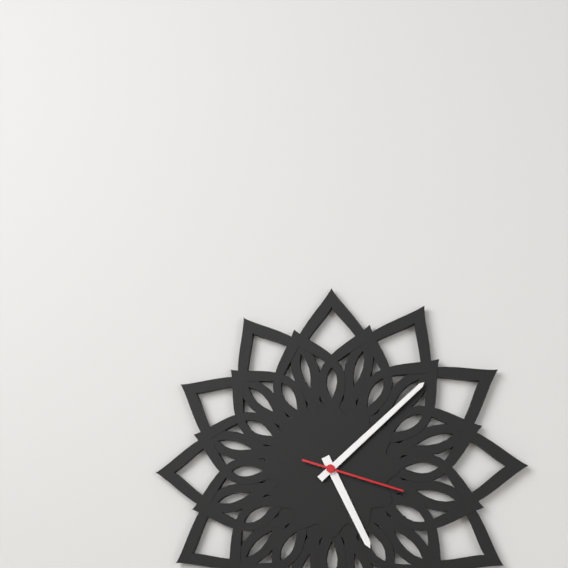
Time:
{"hour": 5, "minute": 8, "second": 18}
